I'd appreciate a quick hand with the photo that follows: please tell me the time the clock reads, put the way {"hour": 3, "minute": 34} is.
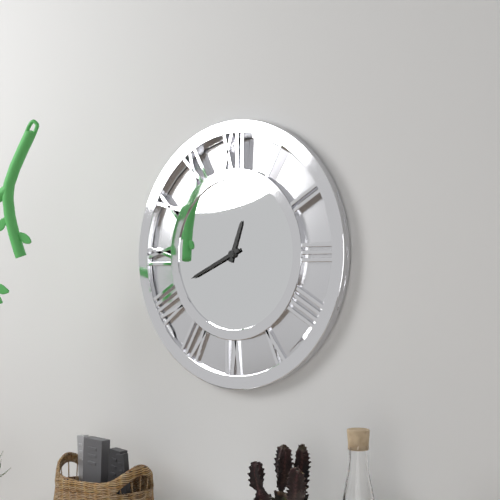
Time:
{"hour": 12, "minute": 41}
